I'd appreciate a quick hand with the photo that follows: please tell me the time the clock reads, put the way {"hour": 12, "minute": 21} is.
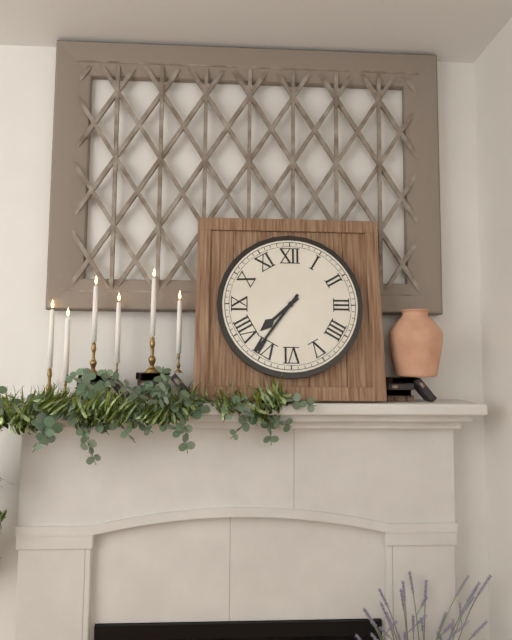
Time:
{"hour": 7, "minute": 36}
